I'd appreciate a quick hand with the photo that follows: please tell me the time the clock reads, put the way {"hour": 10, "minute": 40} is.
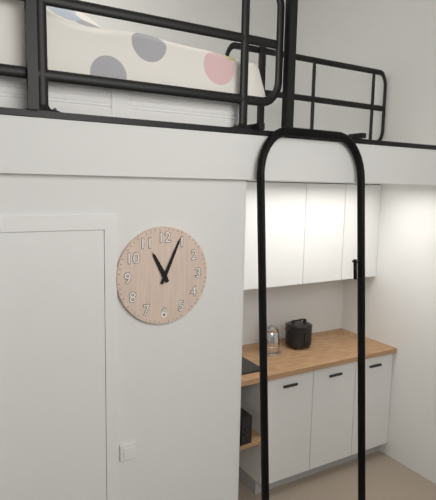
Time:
{"hour": 11, "minute": 4}
